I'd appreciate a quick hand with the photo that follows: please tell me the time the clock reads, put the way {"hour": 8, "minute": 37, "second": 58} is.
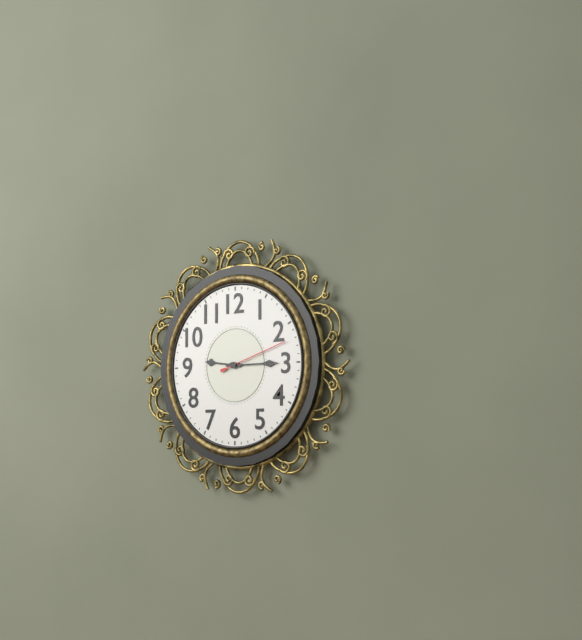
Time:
{"hour": 9, "minute": 15, "second": 12}
